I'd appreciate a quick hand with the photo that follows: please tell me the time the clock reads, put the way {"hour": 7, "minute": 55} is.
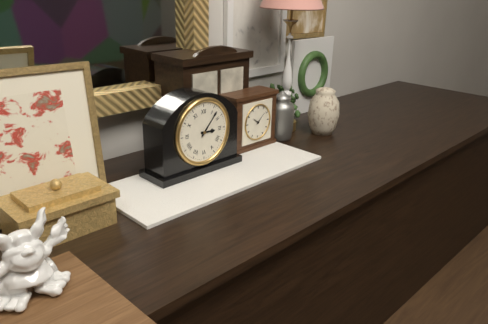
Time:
{"hour": 3, "minute": 7}
